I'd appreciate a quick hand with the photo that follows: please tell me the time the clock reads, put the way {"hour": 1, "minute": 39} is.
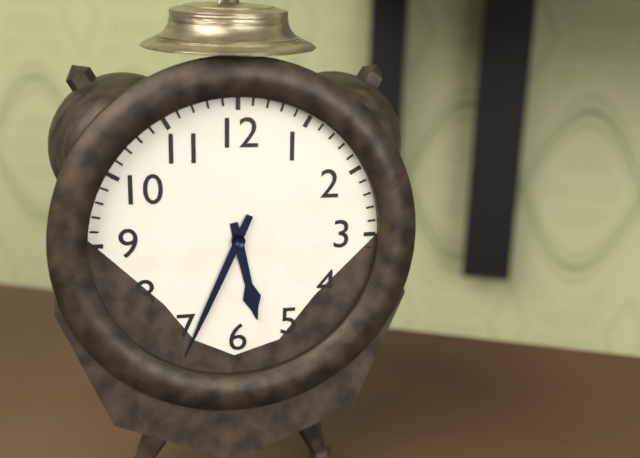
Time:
{"hour": 5, "minute": 34}
